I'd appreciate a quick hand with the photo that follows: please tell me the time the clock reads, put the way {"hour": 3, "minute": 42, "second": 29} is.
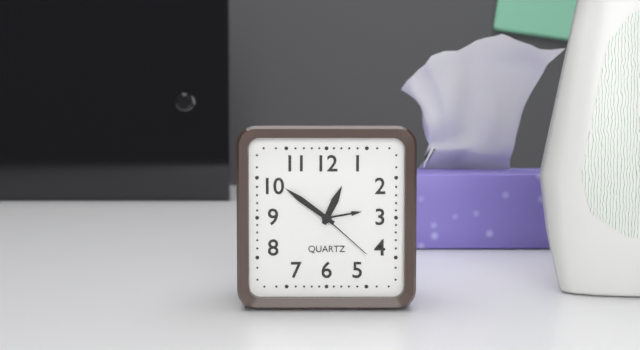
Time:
{"hour": 12, "minute": 51, "second": 22}
